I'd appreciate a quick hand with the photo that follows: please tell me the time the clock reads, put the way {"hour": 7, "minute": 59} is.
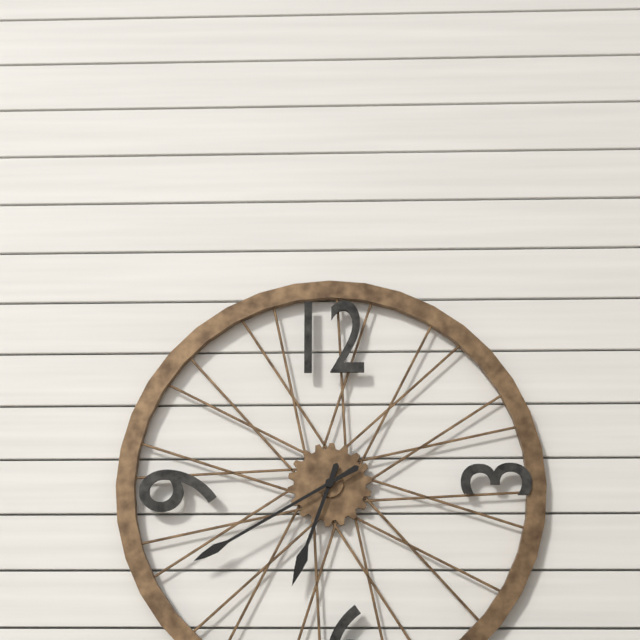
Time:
{"hour": 6, "minute": 40}
